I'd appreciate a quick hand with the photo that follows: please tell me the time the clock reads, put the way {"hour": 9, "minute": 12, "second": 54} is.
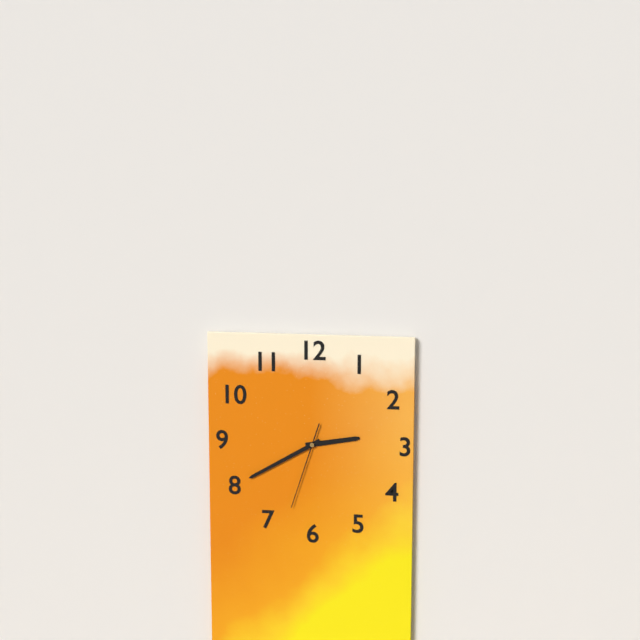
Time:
{"hour": 2, "minute": 40, "second": 33}
